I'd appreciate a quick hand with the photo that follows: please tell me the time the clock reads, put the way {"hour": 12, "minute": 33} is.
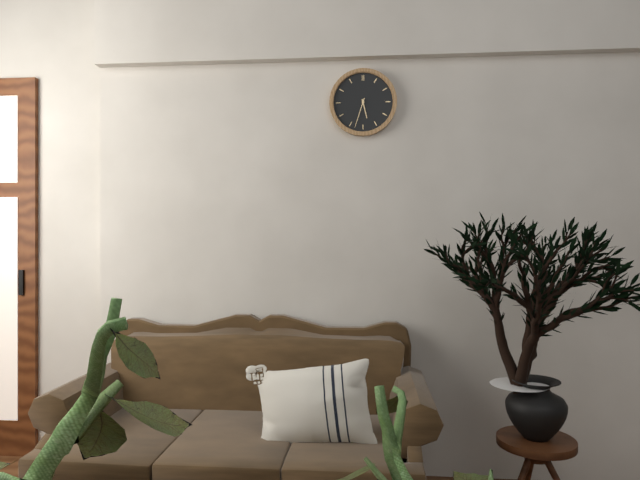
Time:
{"hour": 5, "minute": 33}
